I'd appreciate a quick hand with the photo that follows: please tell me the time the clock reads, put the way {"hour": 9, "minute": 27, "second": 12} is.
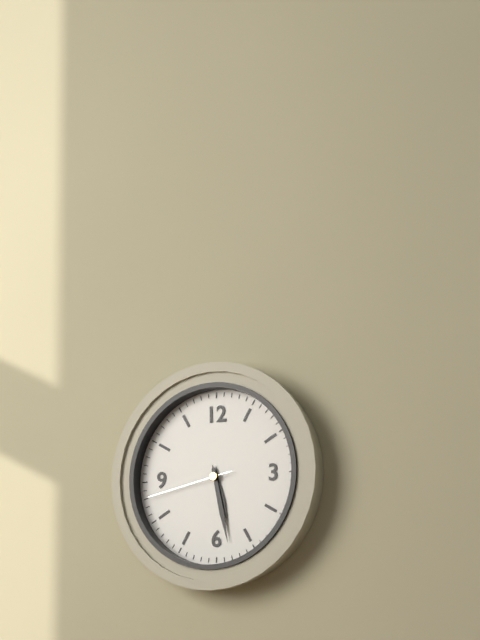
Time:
{"hour": 5, "minute": 28, "second": 43}
